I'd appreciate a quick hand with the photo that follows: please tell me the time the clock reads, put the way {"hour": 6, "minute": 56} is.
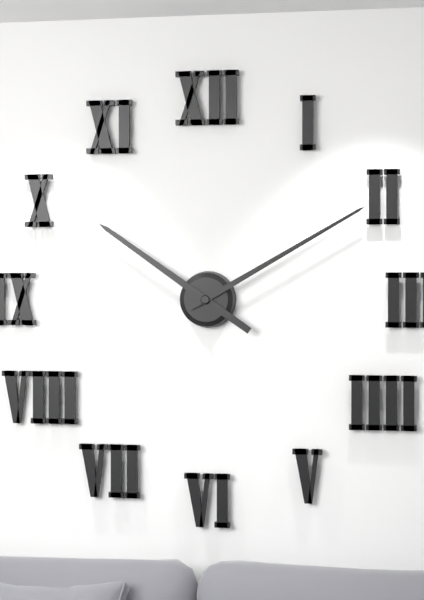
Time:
{"hour": 10, "minute": 10}
